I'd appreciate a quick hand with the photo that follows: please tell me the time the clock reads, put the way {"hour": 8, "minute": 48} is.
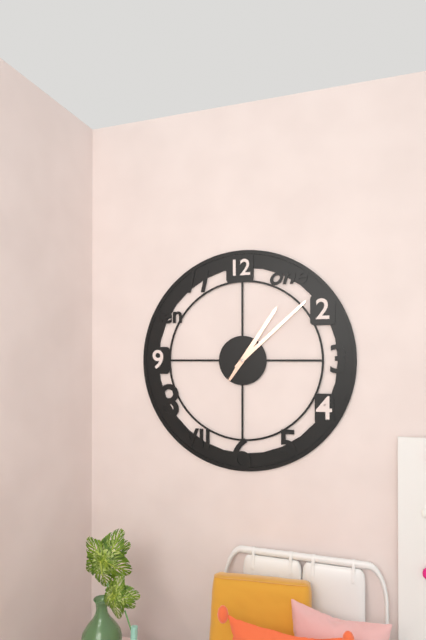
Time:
{"hour": 1, "minute": 8}
